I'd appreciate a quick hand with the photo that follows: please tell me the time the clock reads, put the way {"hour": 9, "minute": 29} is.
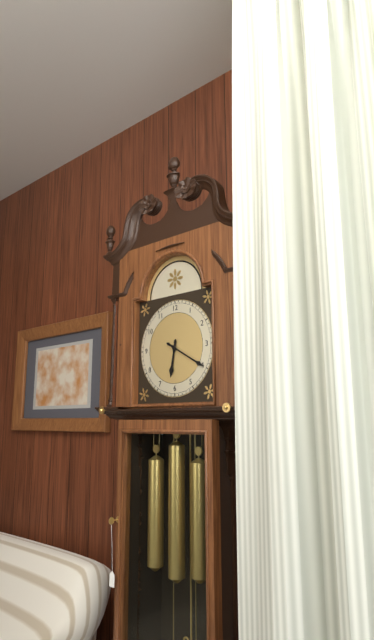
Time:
{"hour": 6, "minute": 20}
